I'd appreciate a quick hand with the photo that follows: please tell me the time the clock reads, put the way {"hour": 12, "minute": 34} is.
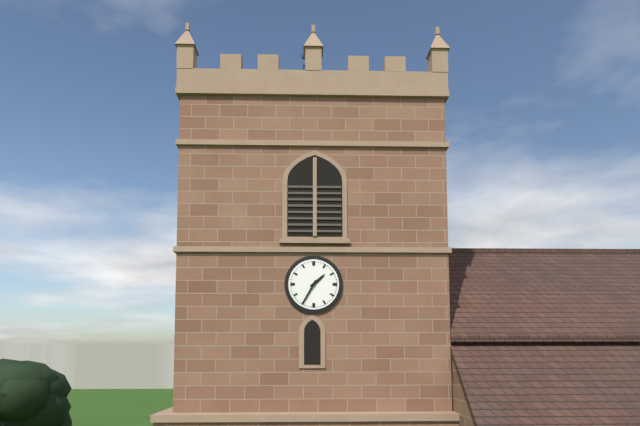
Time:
{"hour": 1, "minute": 35}
